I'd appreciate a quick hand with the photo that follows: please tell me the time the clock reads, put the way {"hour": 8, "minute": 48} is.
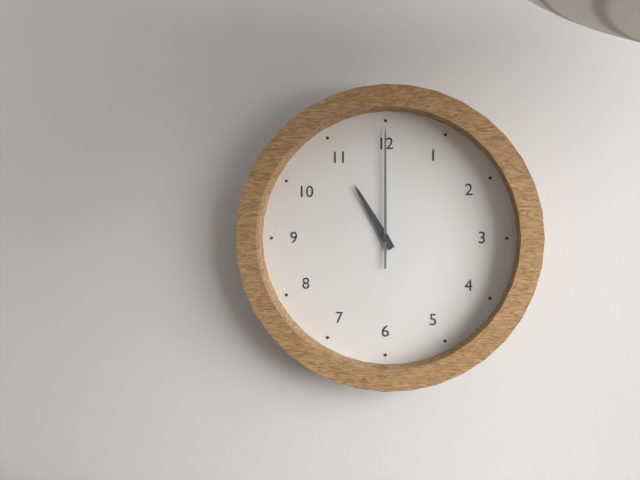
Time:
{"hour": 11, "minute": 0}
